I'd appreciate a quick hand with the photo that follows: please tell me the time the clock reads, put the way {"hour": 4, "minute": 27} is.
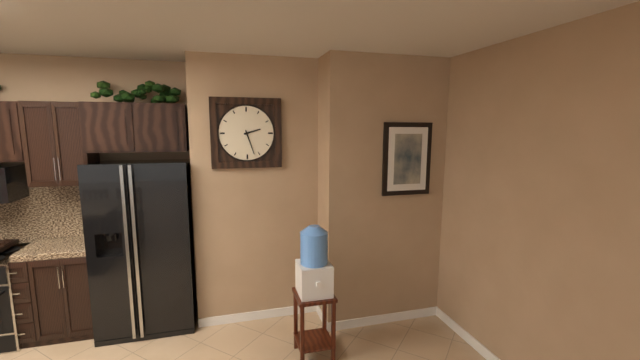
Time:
{"hour": 2, "minute": 27}
